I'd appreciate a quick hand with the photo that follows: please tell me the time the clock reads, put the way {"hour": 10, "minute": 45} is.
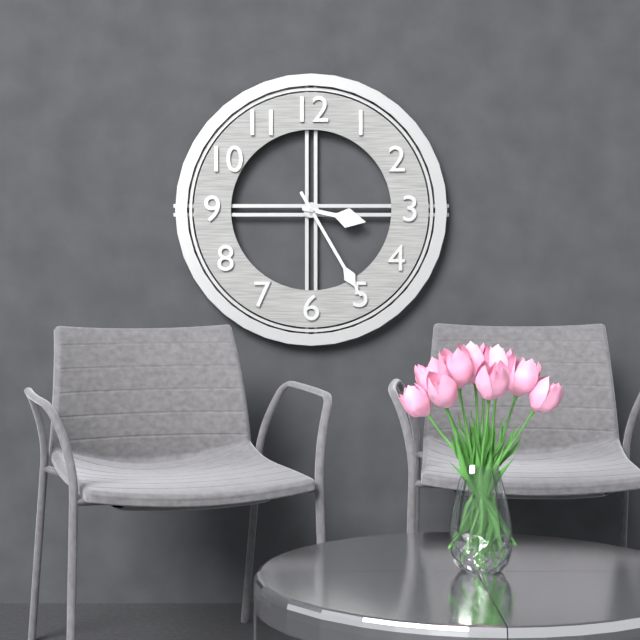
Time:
{"hour": 3, "minute": 25}
